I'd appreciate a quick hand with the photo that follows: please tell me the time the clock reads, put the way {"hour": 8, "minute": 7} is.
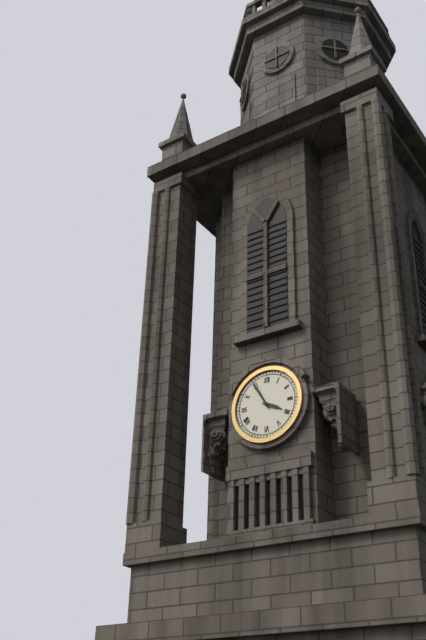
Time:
{"hour": 3, "minute": 55}
